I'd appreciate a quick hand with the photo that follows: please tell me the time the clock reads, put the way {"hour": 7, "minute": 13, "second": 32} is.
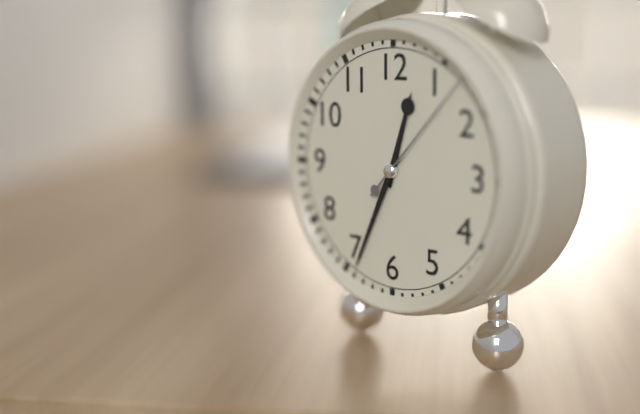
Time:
{"hour": 12, "minute": 34, "second": 7}
